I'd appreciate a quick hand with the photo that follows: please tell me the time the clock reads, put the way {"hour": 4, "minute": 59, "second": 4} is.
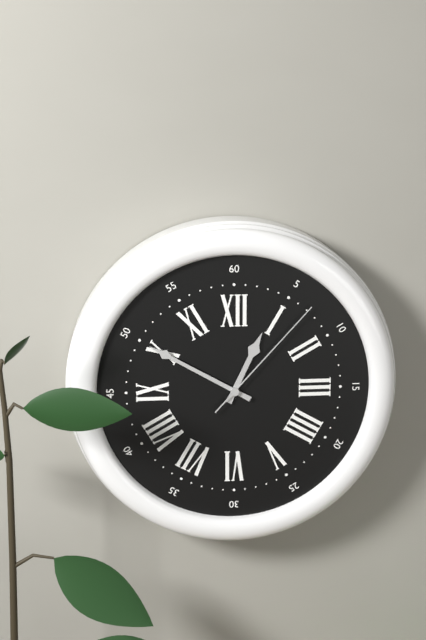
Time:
{"hour": 12, "minute": 50, "second": 7}
